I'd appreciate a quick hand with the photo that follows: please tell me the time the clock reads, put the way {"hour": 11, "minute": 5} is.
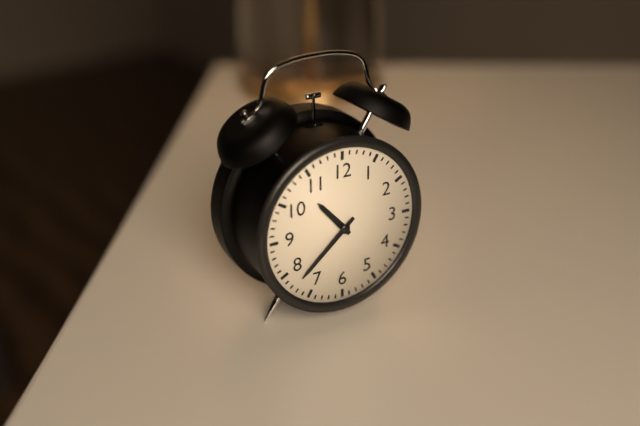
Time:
{"hour": 10, "minute": 38}
